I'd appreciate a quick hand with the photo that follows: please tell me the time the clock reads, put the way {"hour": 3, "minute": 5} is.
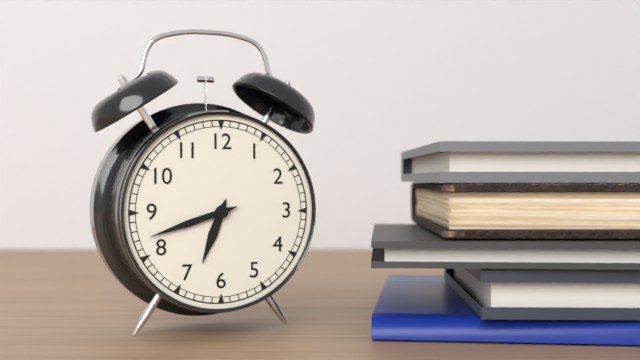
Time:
{"hour": 6, "minute": 42}
